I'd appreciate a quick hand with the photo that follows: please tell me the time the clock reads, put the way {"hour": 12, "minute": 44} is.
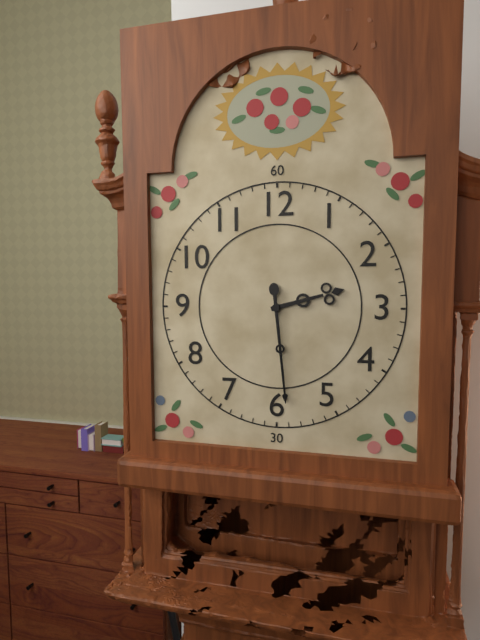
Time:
{"hour": 2, "minute": 29}
